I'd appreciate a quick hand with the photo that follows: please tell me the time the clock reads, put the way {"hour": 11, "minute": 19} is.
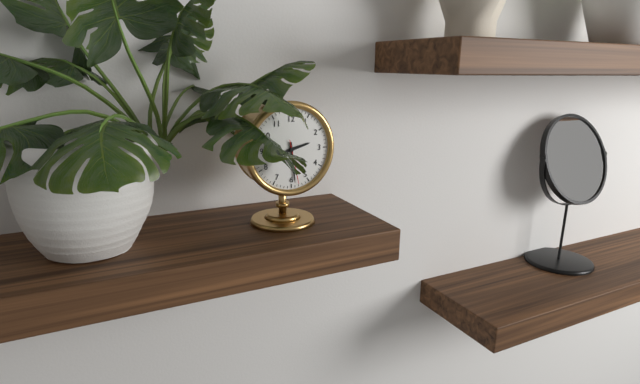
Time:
{"hour": 2, "minute": 29}
